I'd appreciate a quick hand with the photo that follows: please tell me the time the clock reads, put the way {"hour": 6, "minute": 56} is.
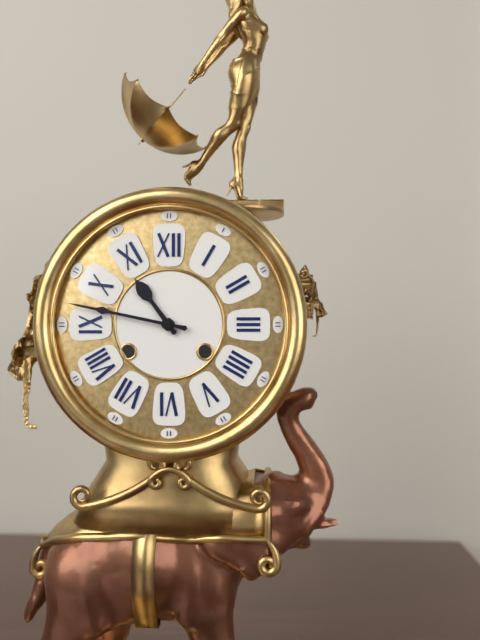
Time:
{"hour": 10, "minute": 47}
